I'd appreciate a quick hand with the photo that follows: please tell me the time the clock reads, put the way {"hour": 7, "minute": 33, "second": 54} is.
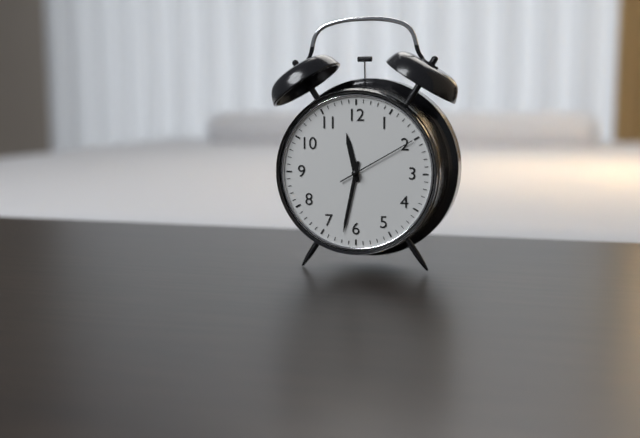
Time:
{"hour": 11, "minute": 32, "second": 10}
